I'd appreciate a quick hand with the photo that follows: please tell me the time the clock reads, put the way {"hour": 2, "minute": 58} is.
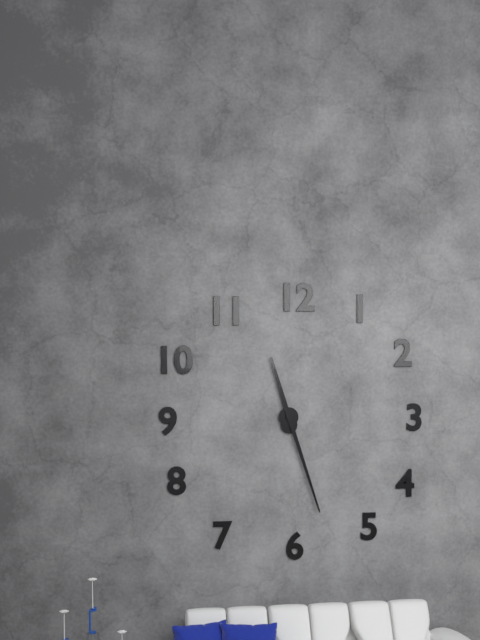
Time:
{"hour": 11, "minute": 27}
